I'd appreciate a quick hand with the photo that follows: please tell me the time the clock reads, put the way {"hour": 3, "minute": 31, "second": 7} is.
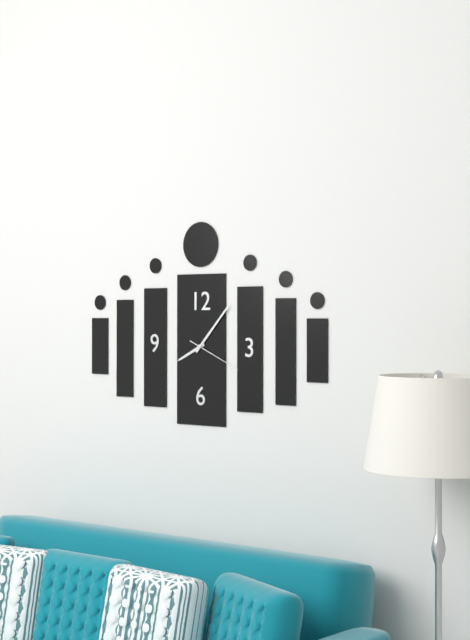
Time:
{"hour": 8, "minute": 7, "second": 19}
